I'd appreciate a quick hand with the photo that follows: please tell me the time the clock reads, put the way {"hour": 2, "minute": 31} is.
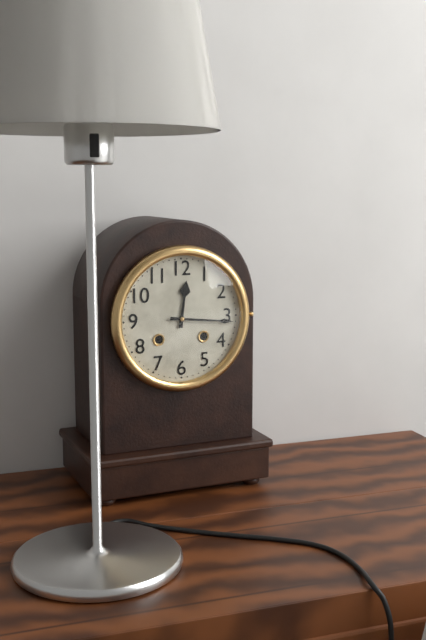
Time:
{"hour": 12, "minute": 16}
